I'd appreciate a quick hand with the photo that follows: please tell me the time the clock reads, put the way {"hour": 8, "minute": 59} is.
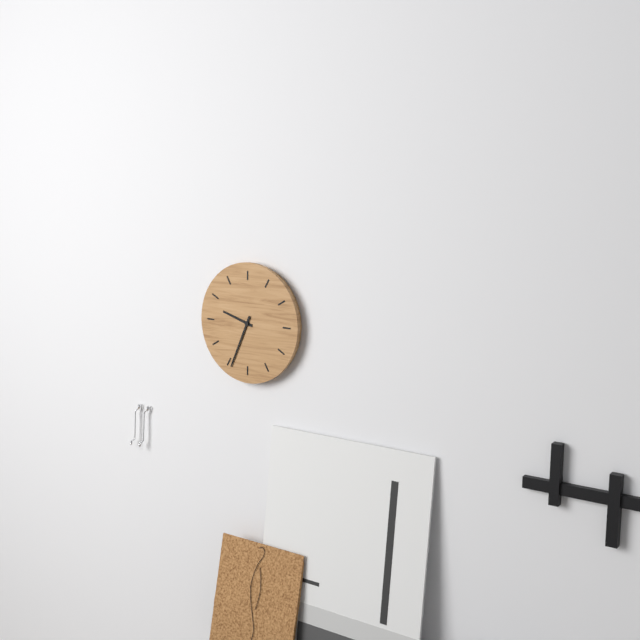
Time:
{"hour": 9, "minute": 34}
